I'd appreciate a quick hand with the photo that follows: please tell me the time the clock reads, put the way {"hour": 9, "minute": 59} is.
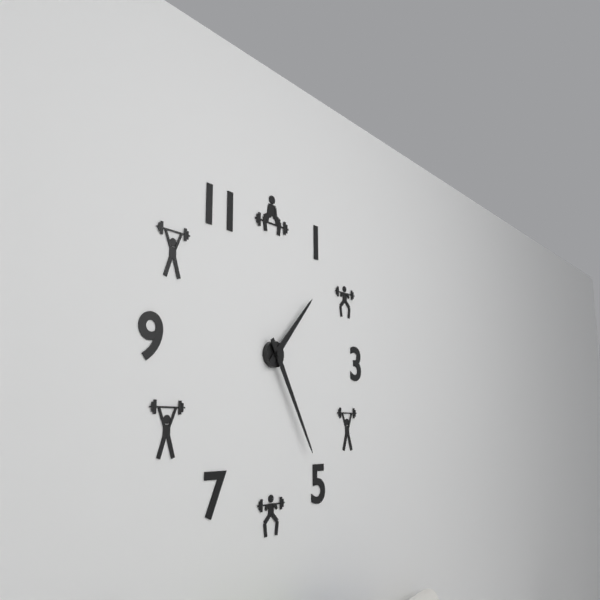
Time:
{"hour": 1, "minute": 25}
